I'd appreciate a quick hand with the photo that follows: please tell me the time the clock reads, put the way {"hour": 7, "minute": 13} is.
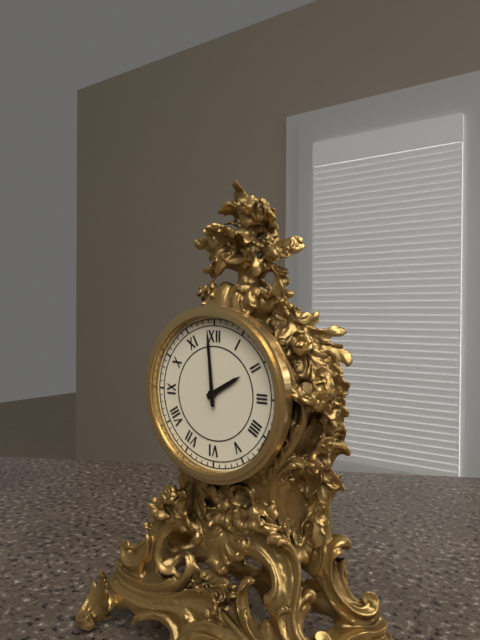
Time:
{"hour": 1, "minute": 59}
